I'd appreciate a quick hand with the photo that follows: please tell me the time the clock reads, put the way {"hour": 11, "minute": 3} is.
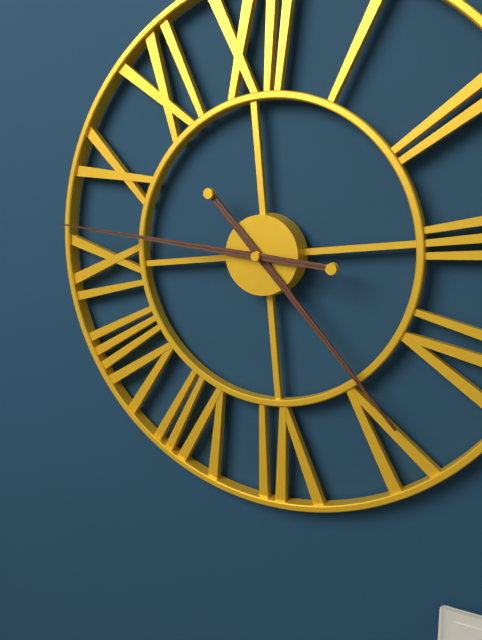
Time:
{"hour": 4, "minute": 47}
